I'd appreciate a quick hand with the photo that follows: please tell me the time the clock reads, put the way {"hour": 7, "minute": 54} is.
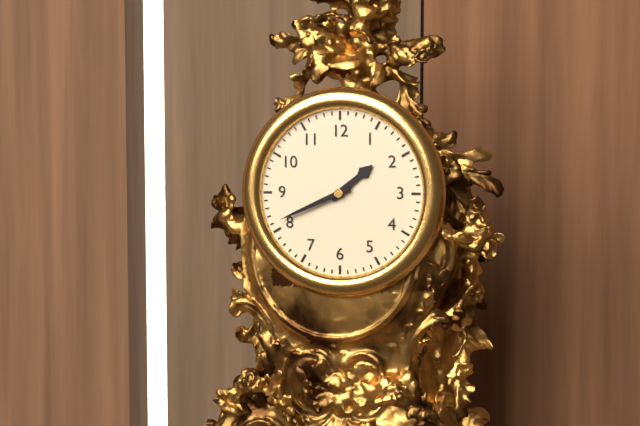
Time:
{"hour": 1, "minute": 41}
